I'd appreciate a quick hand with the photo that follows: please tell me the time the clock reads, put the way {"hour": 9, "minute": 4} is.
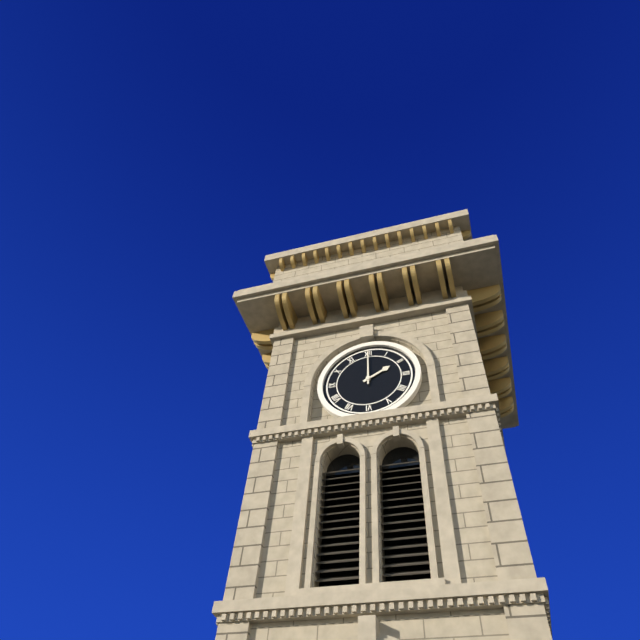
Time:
{"hour": 2, "minute": 0}
